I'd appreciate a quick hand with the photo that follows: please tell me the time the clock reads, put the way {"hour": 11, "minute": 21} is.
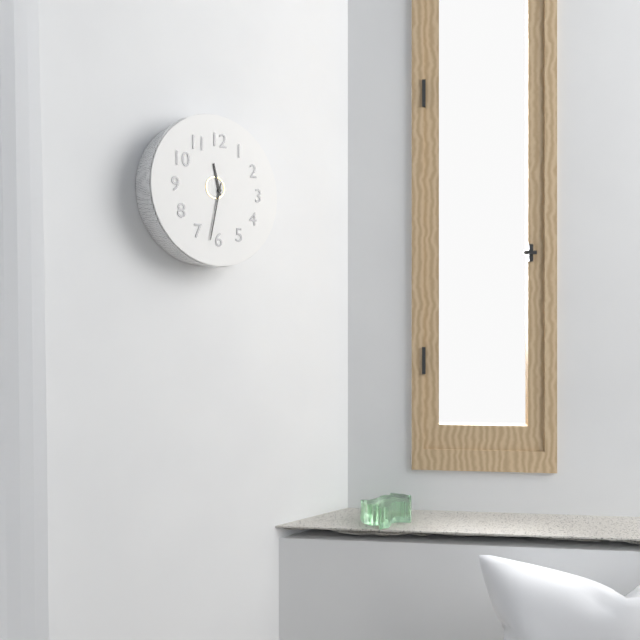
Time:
{"hour": 11, "minute": 32}
